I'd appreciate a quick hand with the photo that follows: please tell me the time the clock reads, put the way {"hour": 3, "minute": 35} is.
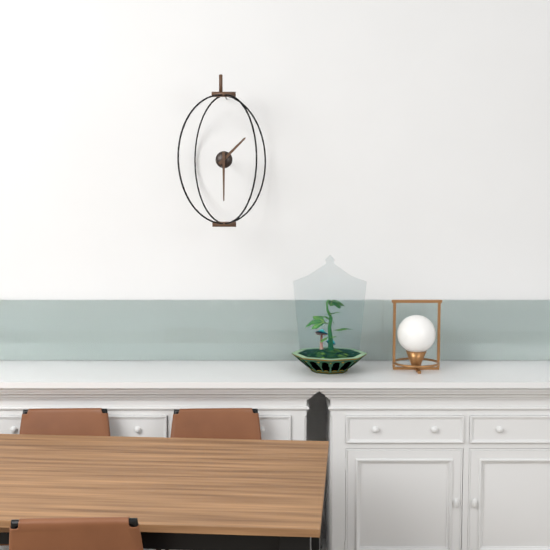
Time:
{"hour": 1, "minute": 30}
